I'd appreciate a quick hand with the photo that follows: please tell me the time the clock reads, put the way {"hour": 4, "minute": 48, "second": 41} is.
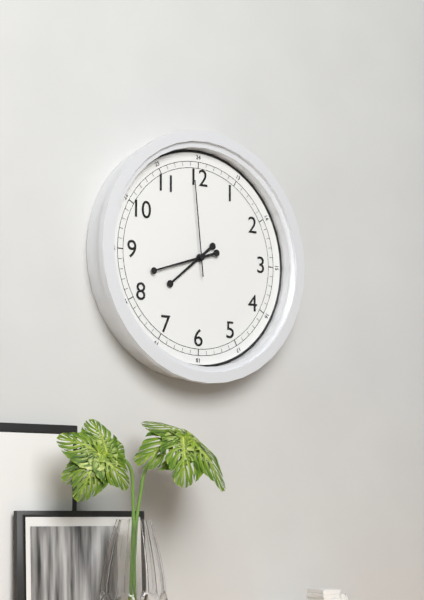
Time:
{"hour": 7, "minute": 42, "second": 59}
